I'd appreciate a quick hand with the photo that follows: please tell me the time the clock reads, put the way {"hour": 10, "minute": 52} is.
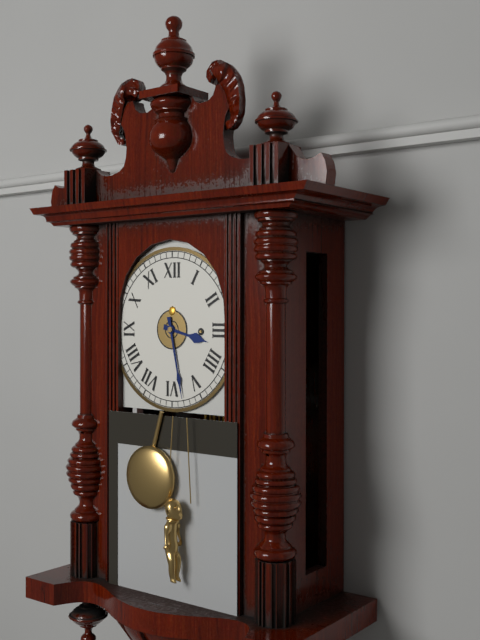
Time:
{"hour": 3, "minute": 28}
